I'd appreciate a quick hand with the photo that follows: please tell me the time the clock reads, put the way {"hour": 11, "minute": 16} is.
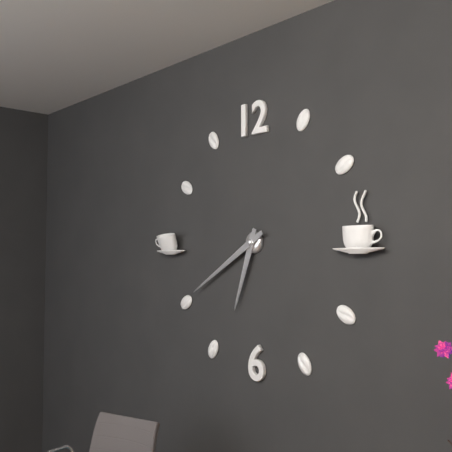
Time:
{"hour": 6, "minute": 40}
